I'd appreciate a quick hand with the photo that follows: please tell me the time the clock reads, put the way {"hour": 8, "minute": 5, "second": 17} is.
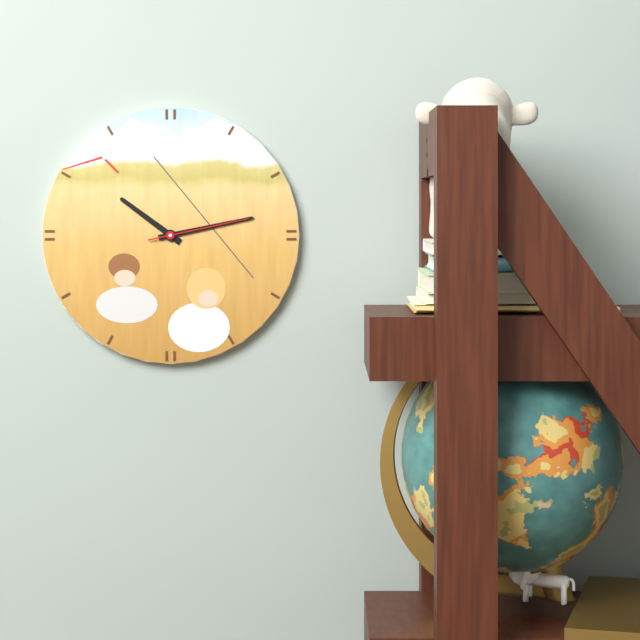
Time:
{"hour": 10, "minute": 13, "second": 13}
